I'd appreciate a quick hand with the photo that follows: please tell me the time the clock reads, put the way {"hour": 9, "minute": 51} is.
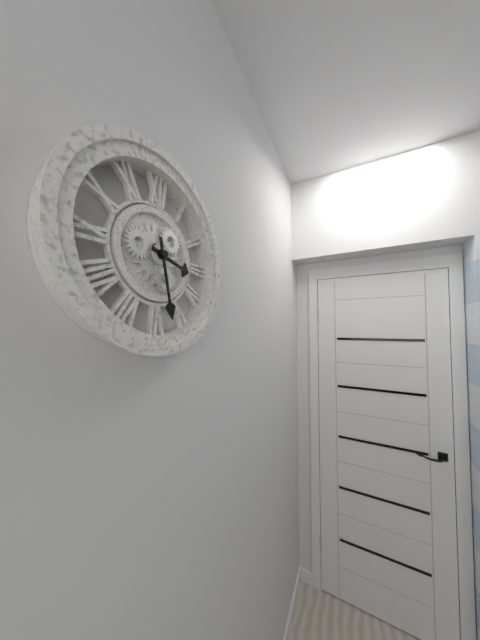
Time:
{"hour": 3, "minute": 28}
